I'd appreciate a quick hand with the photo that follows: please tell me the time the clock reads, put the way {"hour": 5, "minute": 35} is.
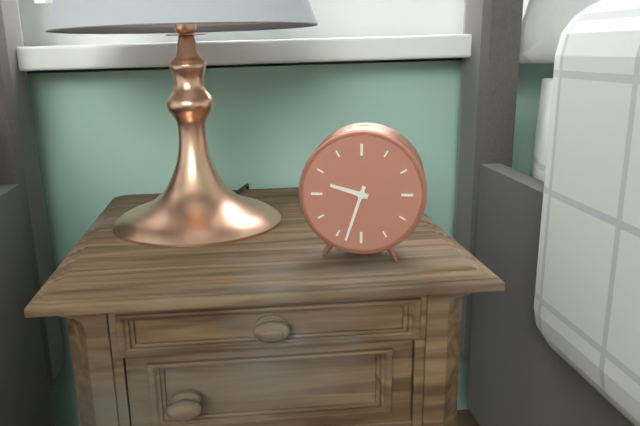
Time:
{"hour": 9, "minute": 33}
